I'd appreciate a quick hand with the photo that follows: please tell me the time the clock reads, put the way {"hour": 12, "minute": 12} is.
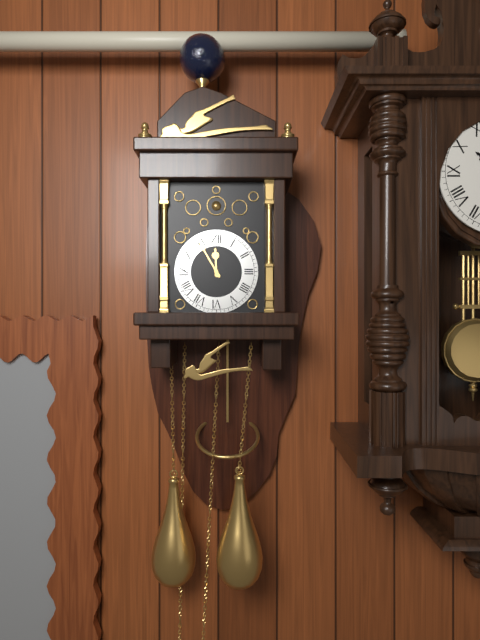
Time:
{"hour": 11, "minute": 55}
